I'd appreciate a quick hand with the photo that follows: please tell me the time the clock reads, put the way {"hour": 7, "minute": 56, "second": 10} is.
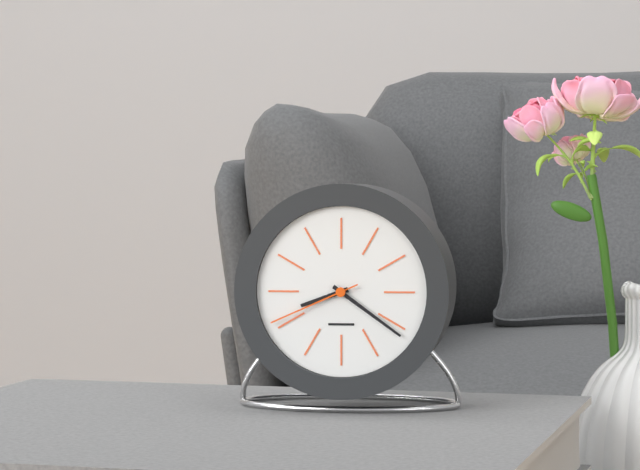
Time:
{"hour": 8, "minute": 21, "second": 41}
